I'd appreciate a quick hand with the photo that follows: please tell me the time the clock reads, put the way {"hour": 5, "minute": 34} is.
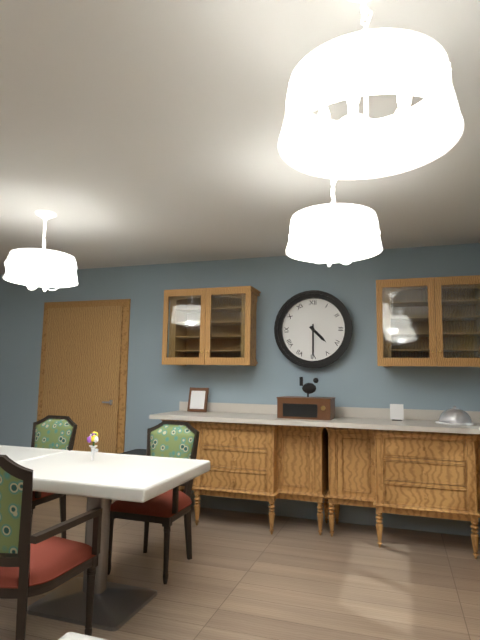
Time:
{"hour": 4, "minute": 30}
